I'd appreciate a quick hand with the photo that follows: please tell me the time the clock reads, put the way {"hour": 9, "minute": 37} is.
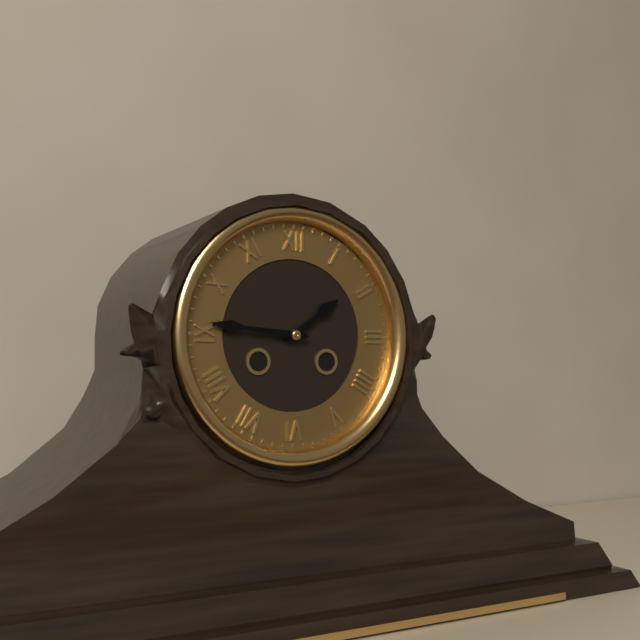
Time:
{"hour": 1, "minute": 46}
